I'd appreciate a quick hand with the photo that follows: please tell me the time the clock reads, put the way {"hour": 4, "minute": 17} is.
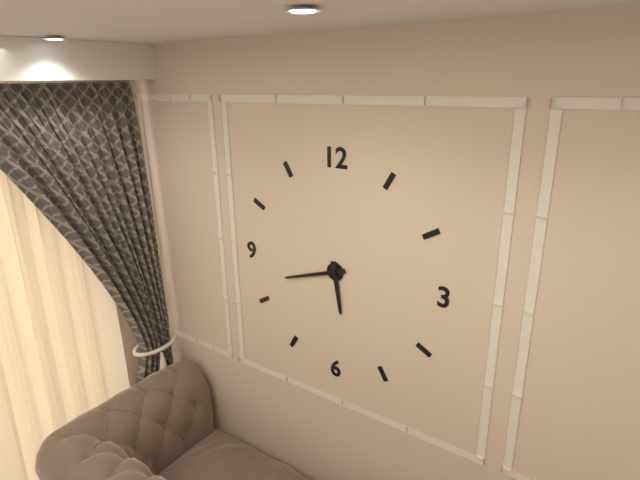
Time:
{"hour": 5, "minute": 42}
